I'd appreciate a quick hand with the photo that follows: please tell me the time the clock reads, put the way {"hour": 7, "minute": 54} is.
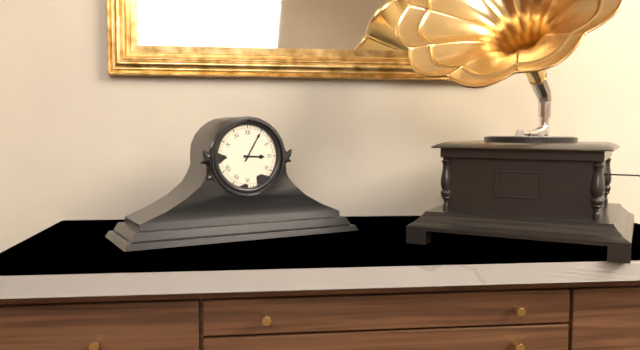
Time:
{"hour": 3, "minute": 5}
